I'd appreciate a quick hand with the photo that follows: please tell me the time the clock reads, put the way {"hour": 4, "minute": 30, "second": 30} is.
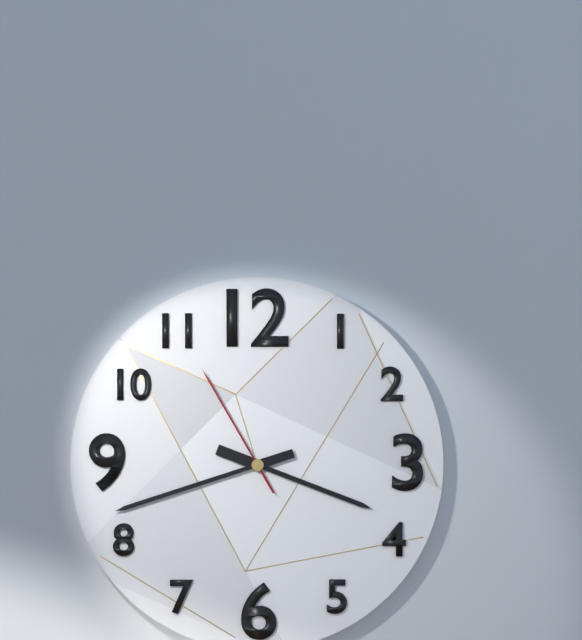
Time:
{"hour": 3, "minute": 42, "second": 55}
